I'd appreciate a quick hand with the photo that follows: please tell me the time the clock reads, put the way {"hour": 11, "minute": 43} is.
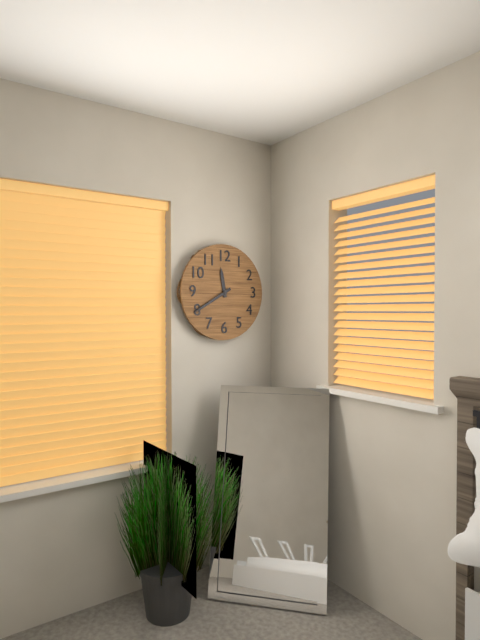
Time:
{"hour": 11, "minute": 40}
